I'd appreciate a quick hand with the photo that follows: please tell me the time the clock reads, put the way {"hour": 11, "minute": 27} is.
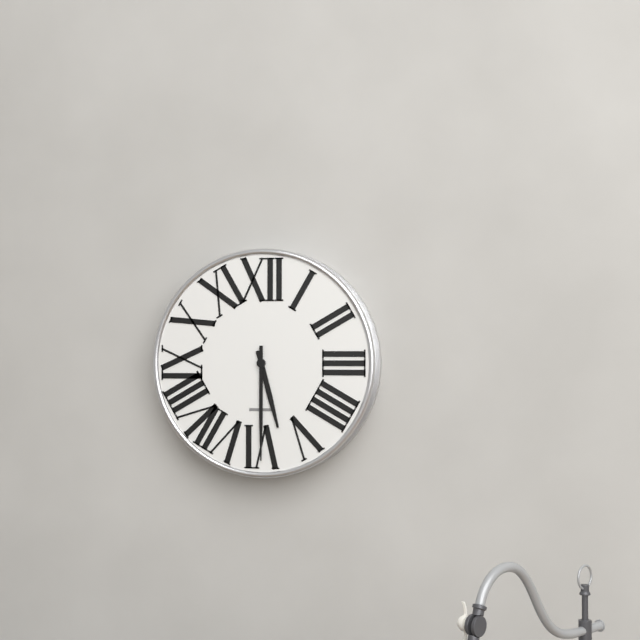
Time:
{"hour": 5, "minute": 30}
